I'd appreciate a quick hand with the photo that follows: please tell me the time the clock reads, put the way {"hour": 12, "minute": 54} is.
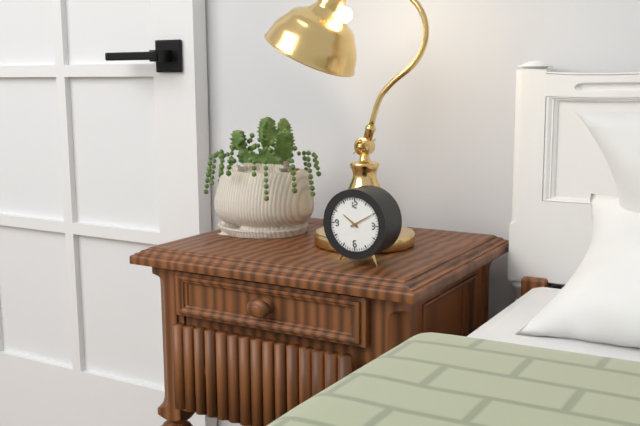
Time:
{"hour": 10, "minute": 10}
